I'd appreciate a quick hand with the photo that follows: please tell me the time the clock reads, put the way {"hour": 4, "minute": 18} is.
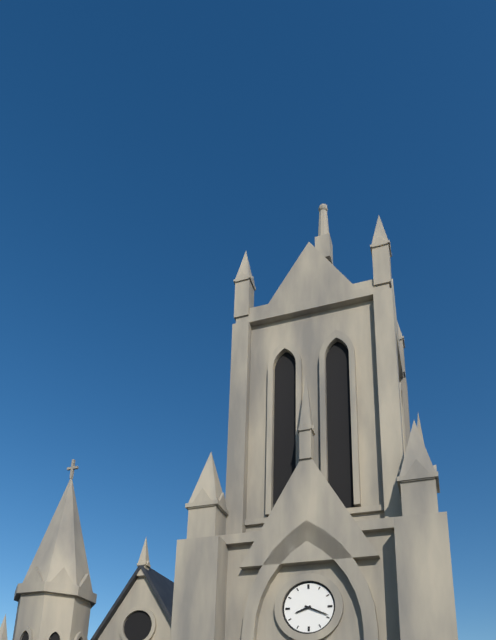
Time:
{"hour": 8, "minute": 19}
